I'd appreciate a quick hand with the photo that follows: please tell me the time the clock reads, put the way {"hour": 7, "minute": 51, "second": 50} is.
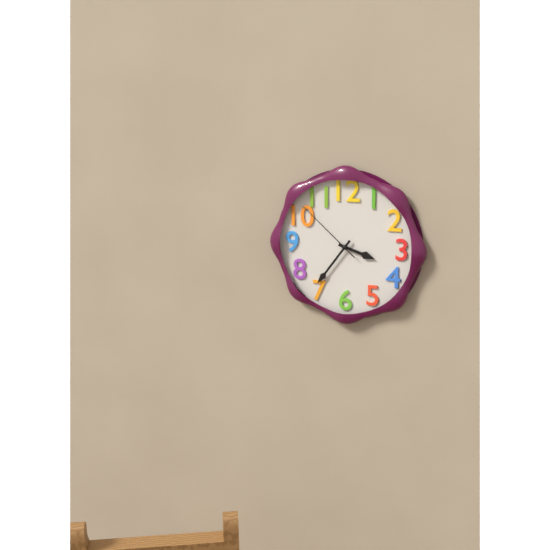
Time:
{"hour": 3, "minute": 36, "second": 52}
